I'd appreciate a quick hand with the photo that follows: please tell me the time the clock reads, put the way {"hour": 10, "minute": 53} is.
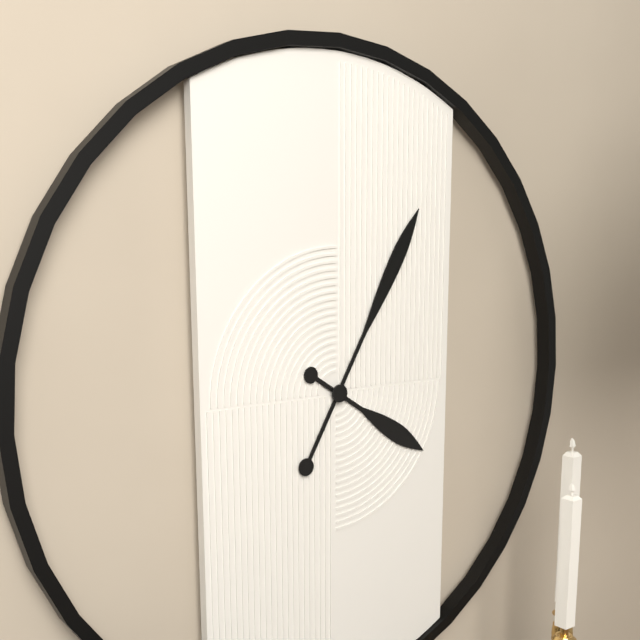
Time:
{"hour": 4, "minute": 5}
